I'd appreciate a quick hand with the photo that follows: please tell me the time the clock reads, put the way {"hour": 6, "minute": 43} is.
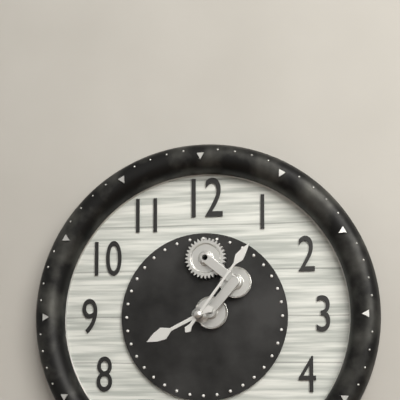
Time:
{"hour": 8, "minute": 6}
